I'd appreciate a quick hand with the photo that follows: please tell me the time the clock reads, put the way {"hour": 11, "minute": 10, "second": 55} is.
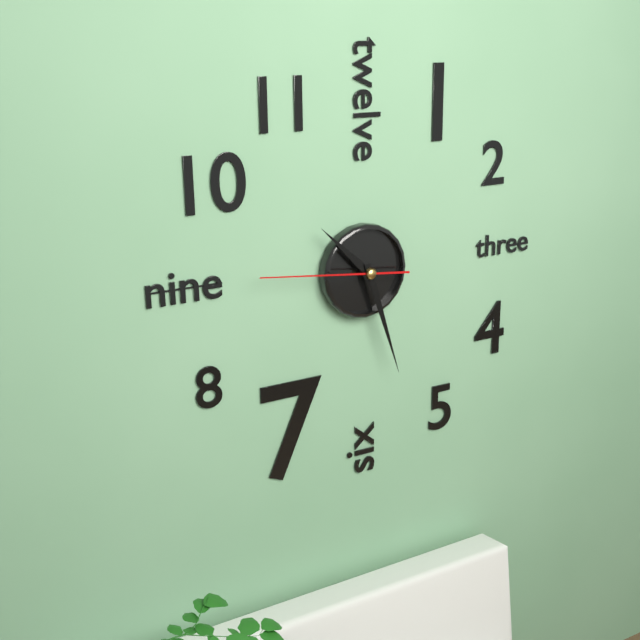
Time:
{"hour": 10, "minute": 27, "second": 46}
